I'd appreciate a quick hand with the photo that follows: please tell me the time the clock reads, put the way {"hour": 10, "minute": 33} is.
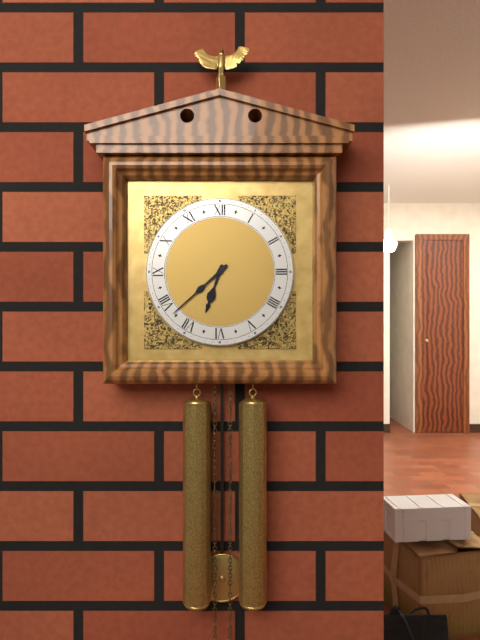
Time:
{"hour": 6, "minute": 38}
